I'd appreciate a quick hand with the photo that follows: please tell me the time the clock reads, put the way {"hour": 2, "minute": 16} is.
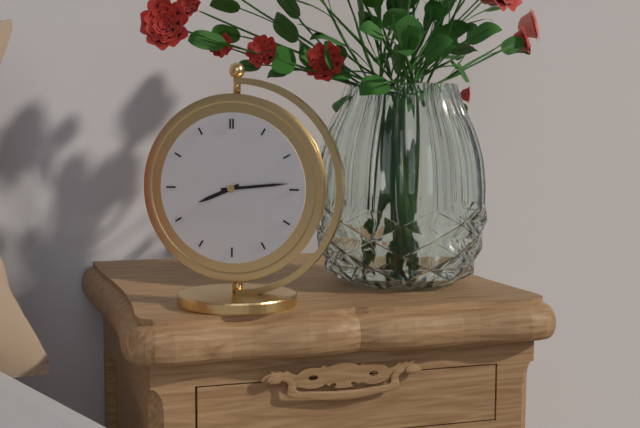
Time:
{"hour": 8, "minute": 14}
